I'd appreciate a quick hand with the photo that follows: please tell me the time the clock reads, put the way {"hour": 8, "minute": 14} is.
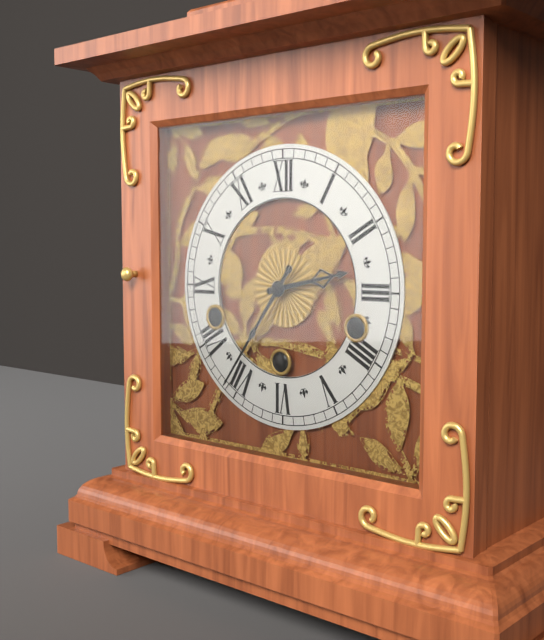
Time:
{"hour": 2, "minute": 36}
